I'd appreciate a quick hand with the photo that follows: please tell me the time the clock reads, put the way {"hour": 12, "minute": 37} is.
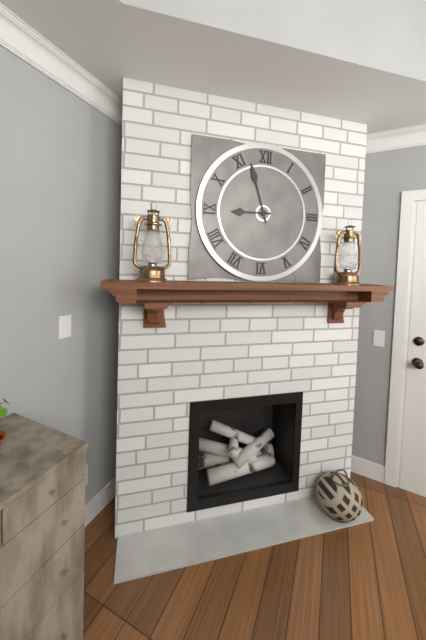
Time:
{"hour": 8, "minute": 57}
